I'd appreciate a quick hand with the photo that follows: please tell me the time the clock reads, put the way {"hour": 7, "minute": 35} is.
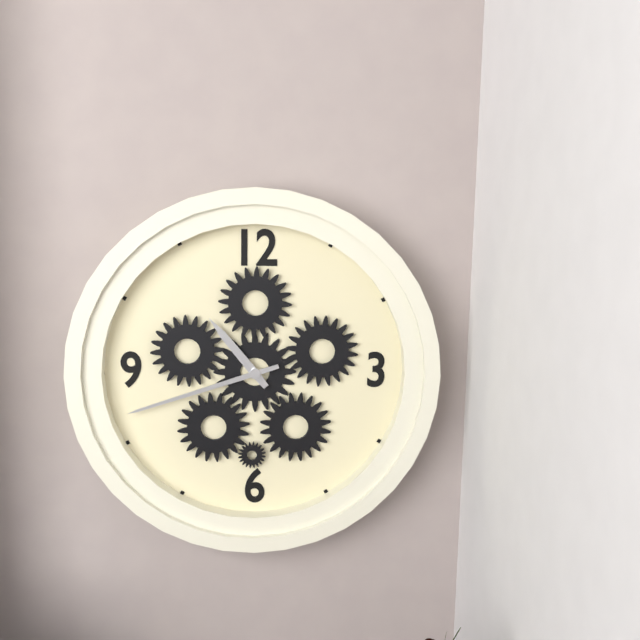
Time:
{"hour": 10, "minute": 42}
